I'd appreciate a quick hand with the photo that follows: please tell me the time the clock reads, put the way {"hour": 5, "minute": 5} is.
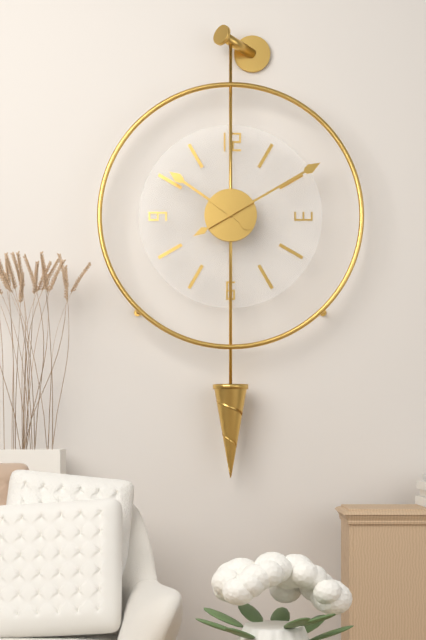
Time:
{"hour": 10, "minute": 10}
